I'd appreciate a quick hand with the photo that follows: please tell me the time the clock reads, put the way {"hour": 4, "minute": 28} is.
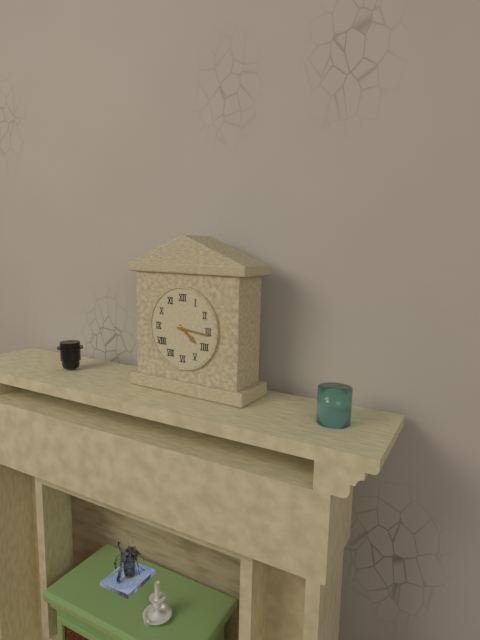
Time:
{"hour": 4, "minute": 16}
